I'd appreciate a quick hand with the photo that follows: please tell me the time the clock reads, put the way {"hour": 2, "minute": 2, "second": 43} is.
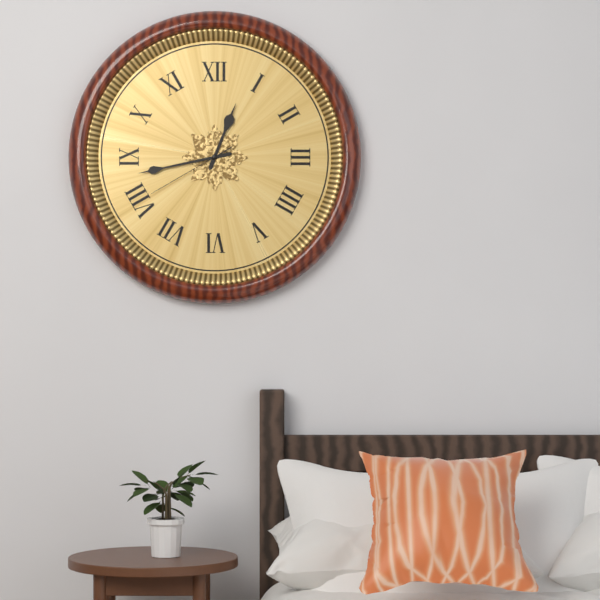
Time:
{"hour": 12, "minute": 43, "second": 40}
